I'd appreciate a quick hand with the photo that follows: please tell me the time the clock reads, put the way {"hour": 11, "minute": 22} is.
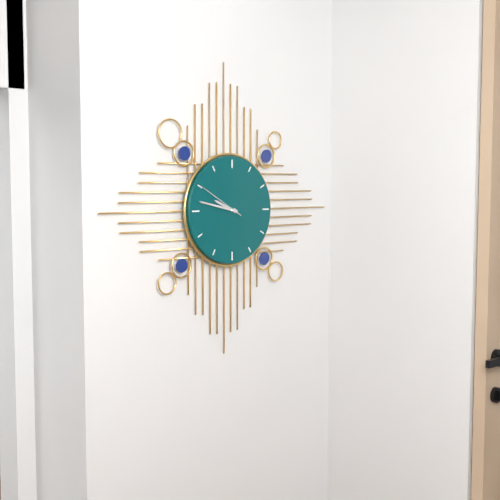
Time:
{"hour": 9, "minute": 47}
